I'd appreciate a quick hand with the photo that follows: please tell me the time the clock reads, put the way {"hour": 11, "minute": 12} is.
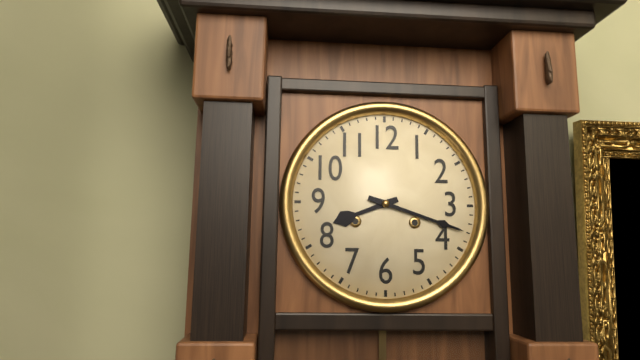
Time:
{"hour": 8, "minute": 18}
